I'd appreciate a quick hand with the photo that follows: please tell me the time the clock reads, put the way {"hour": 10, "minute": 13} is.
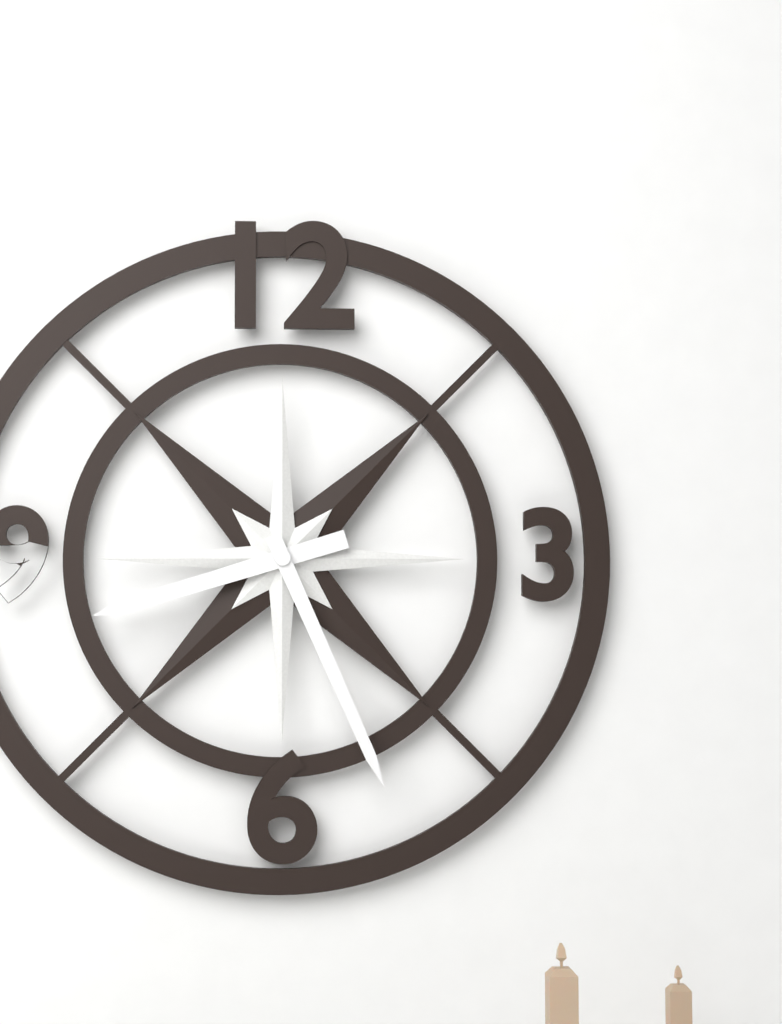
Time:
{"hour": 8, "minute": 26}
